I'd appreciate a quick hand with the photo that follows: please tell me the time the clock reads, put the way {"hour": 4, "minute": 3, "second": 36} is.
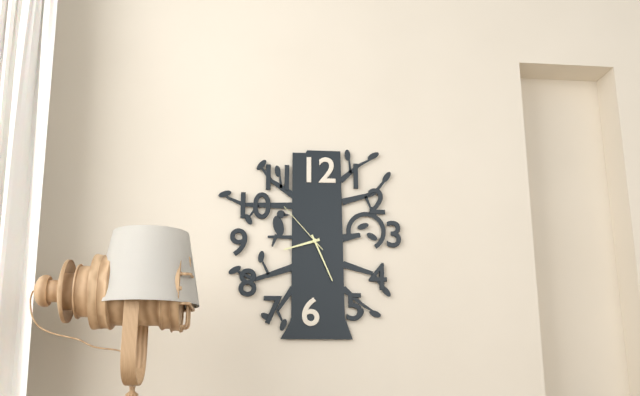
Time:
{"hour": 8, "minute": 26, "second": 53}
